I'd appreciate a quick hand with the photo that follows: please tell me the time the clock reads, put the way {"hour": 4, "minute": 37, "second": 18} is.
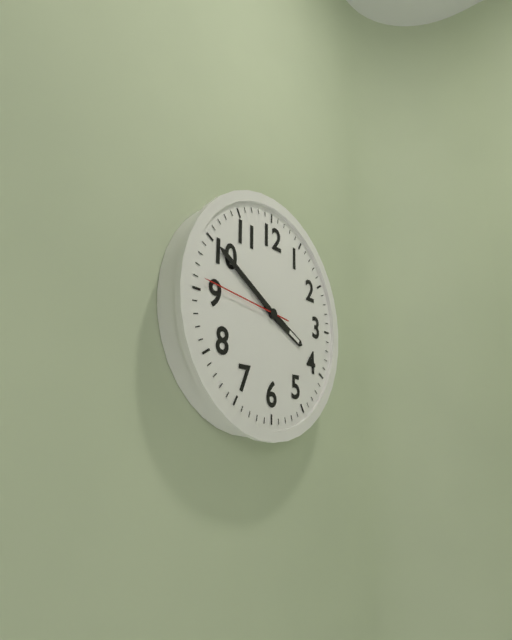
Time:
{"hour": 3, "minute": 50, "second": 46}
